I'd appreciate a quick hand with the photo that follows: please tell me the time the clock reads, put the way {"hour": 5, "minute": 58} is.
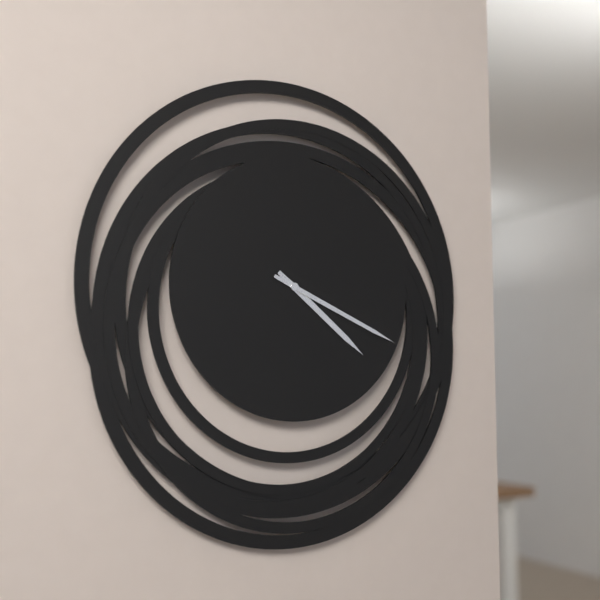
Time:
{"hour": 4, "minute": 19}
